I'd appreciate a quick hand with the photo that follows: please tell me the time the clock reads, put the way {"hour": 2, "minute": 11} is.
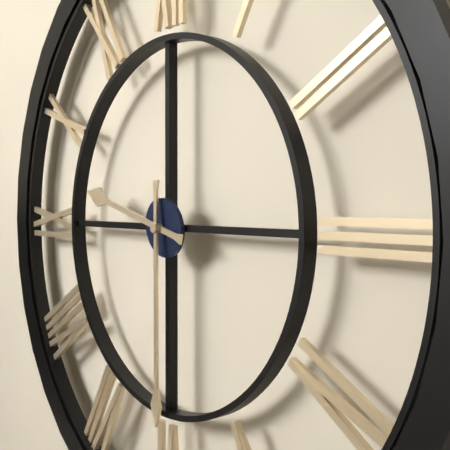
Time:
{"hour": 9, "minute": 30}
